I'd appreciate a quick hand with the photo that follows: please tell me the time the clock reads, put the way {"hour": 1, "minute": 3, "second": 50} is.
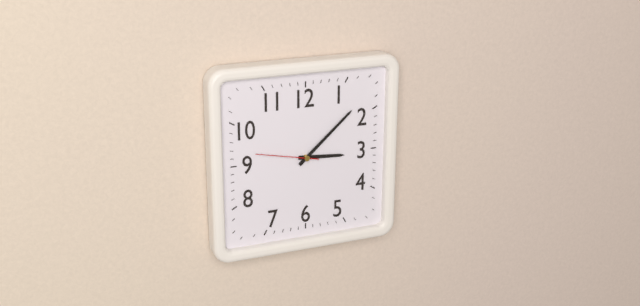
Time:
{"hour": 3, "minute": 8, "second": 47}
